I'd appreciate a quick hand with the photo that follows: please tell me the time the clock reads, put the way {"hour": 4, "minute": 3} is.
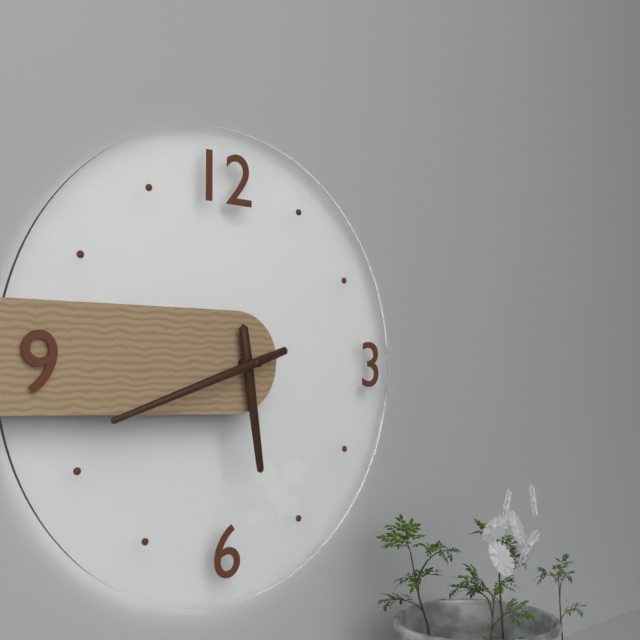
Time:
{"hour": 5, "minute": 42}
